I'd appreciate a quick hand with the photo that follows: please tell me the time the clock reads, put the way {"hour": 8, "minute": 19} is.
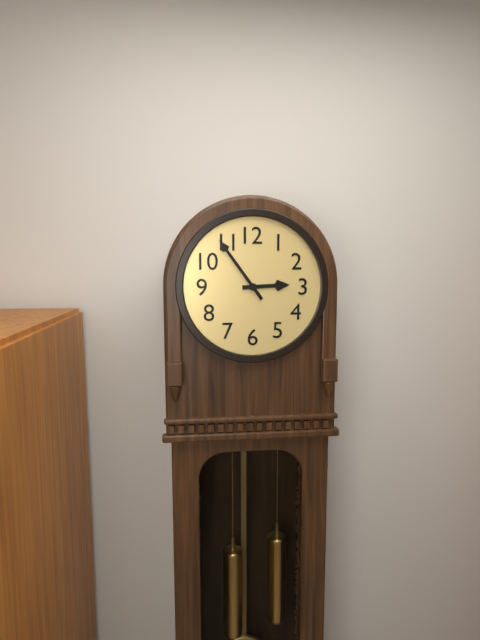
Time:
{"hour": 2, "minute": 54}
